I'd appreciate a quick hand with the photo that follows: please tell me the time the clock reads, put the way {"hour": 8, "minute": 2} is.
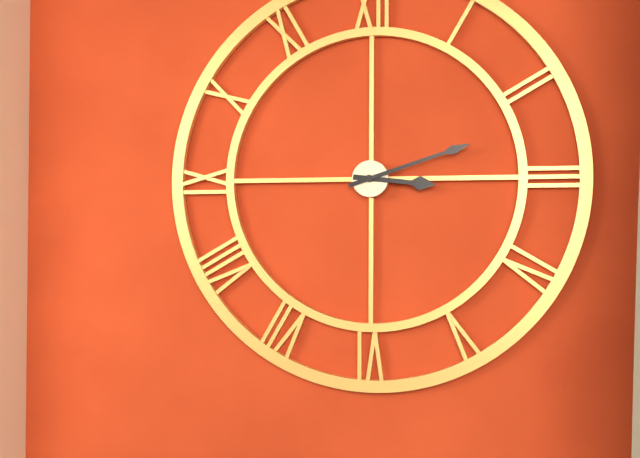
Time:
{"hour": 3, "minute": 12}
